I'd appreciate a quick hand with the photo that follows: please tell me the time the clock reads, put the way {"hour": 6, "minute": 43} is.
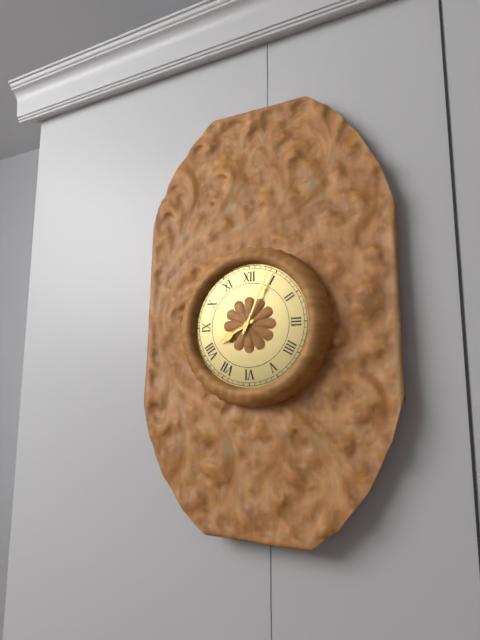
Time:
{"hour": 8, "minute": 4}
